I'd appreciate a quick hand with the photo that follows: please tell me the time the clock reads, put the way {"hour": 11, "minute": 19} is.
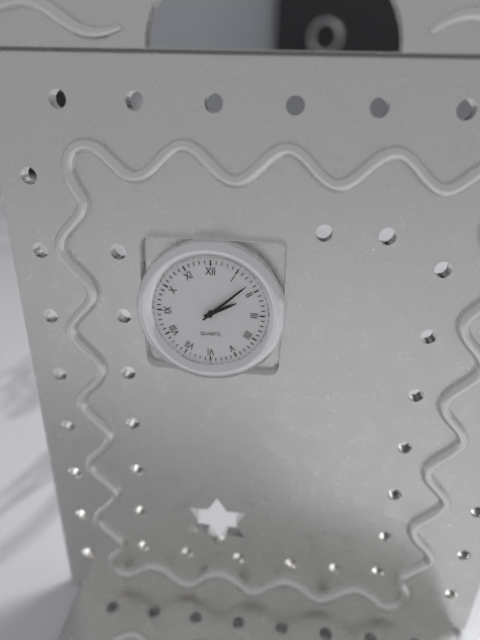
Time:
{"hour": 2, "minute": 8}
